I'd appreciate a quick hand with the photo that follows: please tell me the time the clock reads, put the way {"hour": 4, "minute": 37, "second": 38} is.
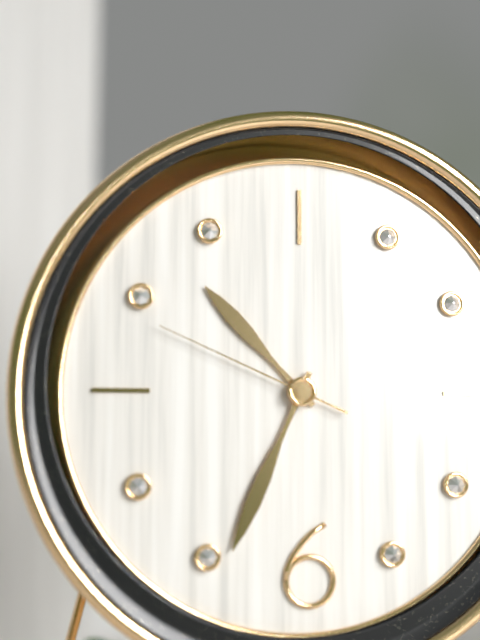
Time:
{"hour": 10, "minute": 34, "second": 49}
